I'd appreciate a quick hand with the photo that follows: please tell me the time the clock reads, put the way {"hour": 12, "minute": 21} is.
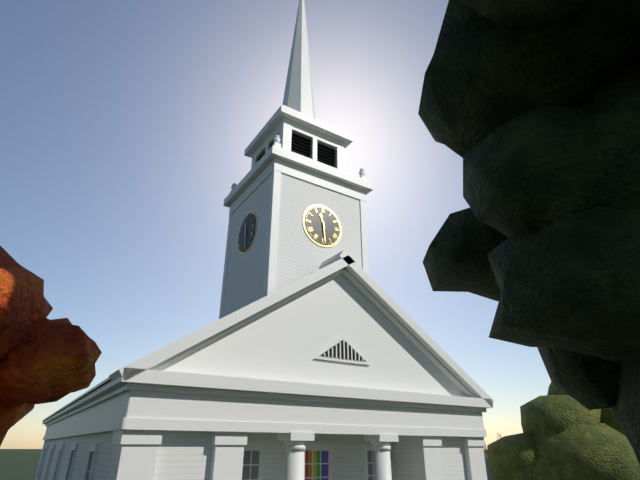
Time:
{"hour": 11, "minute": 29}
